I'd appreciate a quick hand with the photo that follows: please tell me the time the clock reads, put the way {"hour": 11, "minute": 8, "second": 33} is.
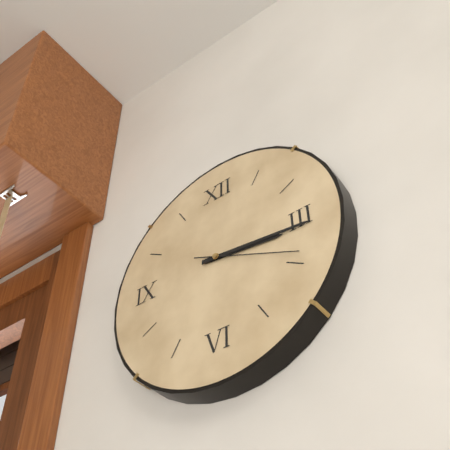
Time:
{"hour": 3, "minute": 16, "second": 19}
